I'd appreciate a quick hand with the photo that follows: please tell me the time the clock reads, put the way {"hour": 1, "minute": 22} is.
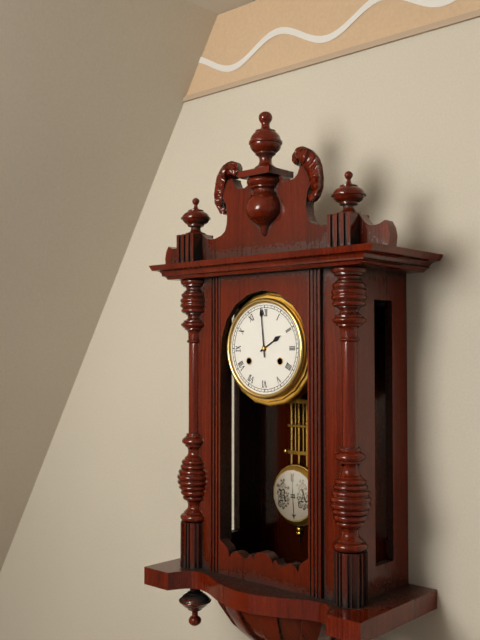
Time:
{"hour": 1, "minute": 59}
